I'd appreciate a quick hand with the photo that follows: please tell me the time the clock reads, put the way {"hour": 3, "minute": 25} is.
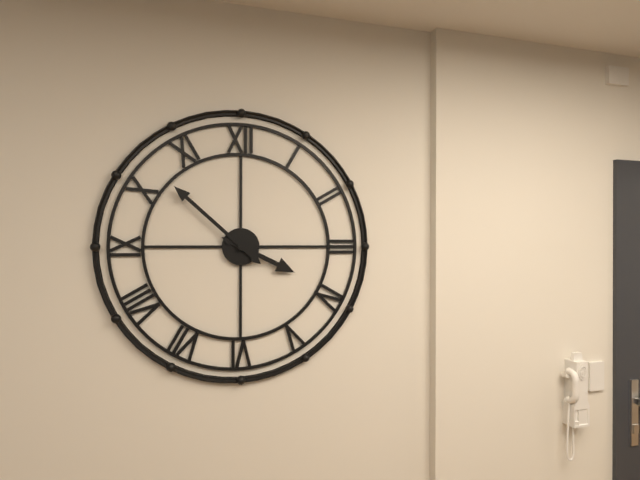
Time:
{"hour": 3, "minute": 52}
